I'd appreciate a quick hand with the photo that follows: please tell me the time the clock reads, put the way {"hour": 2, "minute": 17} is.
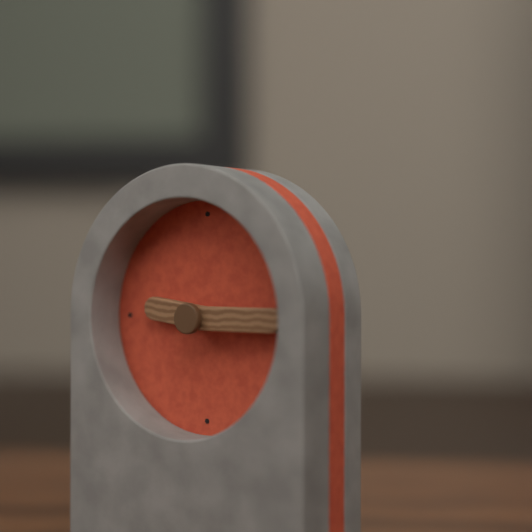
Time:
{"hour": 9, "minute": 15}
